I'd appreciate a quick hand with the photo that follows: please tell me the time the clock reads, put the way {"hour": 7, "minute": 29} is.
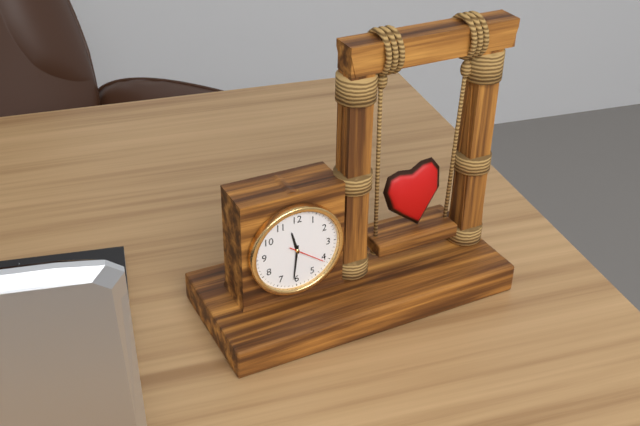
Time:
{"hour": 11, "minute": 31}
